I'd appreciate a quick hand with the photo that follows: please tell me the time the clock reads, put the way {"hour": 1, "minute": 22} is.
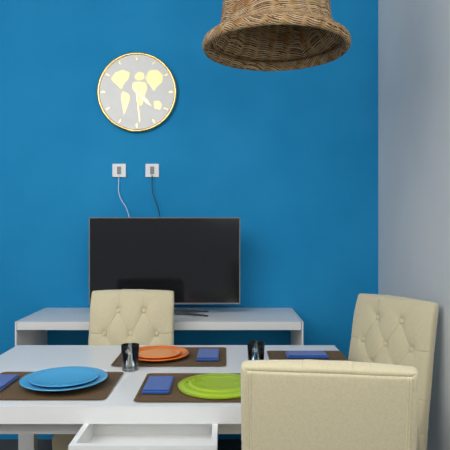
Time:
{"hour": 4, "minute": 29}
